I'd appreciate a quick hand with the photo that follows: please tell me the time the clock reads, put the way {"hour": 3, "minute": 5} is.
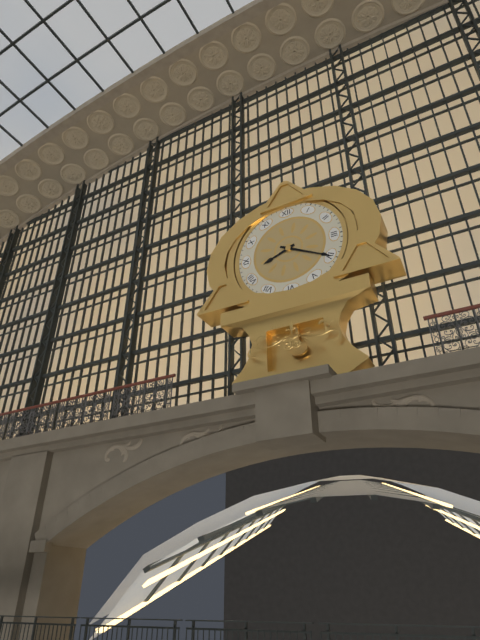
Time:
{"hour": 8, "minute": 20}
